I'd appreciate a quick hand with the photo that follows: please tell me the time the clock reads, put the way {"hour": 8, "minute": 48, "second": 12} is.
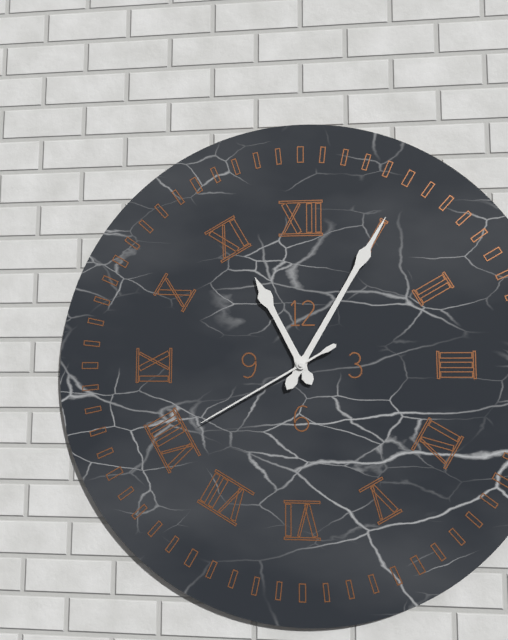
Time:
{"hour": 11, "minute": 5, "second": 40}
